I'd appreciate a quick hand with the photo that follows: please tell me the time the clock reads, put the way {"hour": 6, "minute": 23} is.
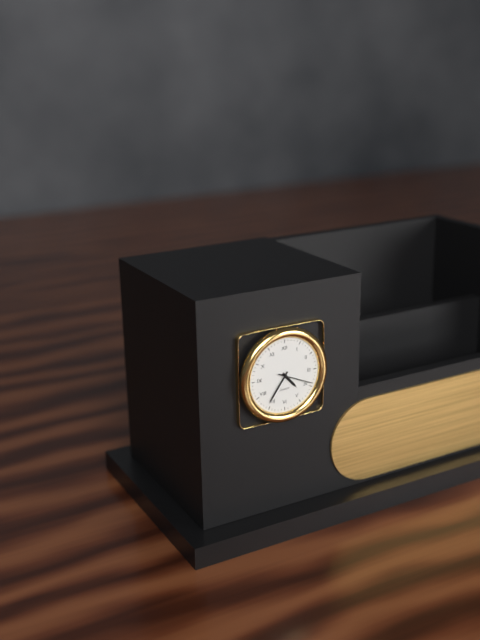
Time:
{"hour": 4, "minute": 36}
